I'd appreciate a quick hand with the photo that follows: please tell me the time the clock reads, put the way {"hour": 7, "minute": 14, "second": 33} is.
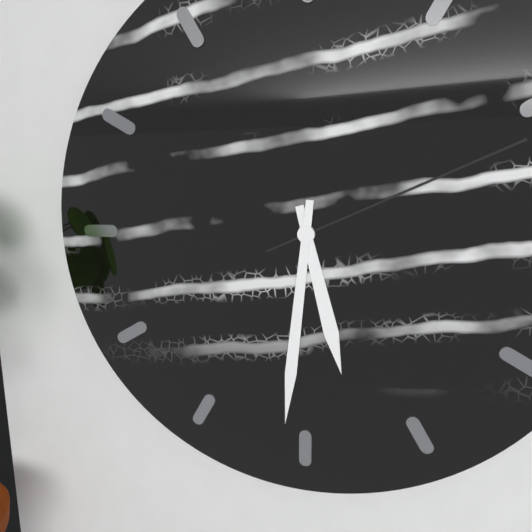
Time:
{"hour": 5, "minute": 31, "second": 11}
